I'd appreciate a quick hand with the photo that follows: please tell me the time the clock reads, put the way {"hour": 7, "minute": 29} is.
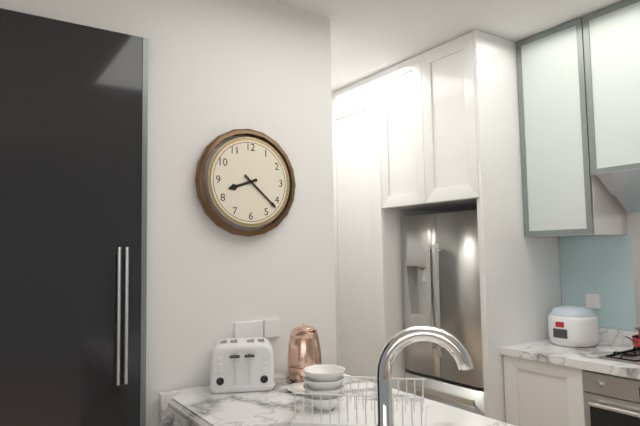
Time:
{"hour": 8, "minute": 22}
